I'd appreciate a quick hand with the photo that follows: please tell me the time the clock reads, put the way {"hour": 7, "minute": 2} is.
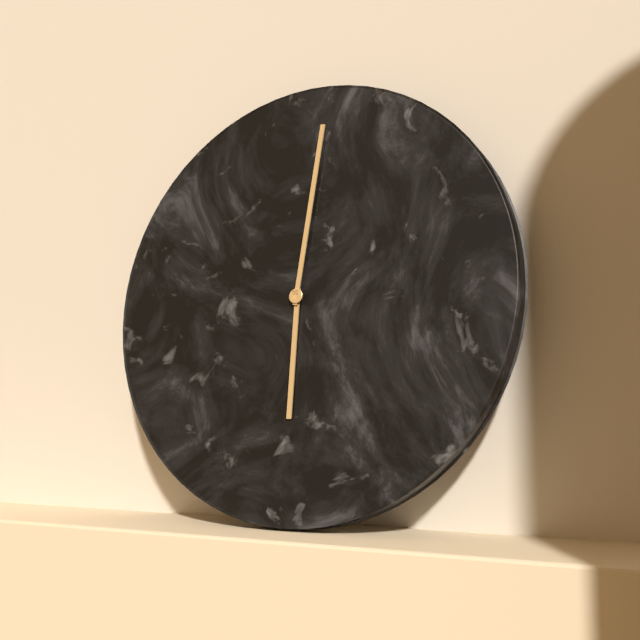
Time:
{"hour": 6, "minute": 1}
